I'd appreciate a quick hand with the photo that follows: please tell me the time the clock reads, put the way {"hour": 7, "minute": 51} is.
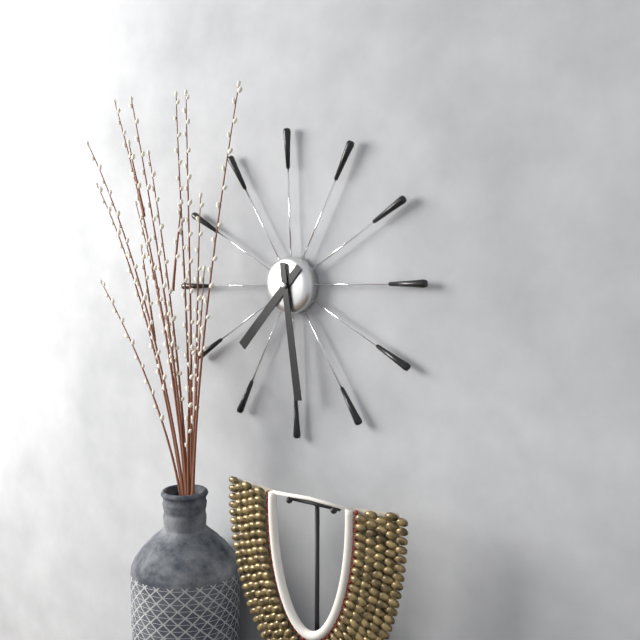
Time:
{"hour": 7, "minute": 29}
